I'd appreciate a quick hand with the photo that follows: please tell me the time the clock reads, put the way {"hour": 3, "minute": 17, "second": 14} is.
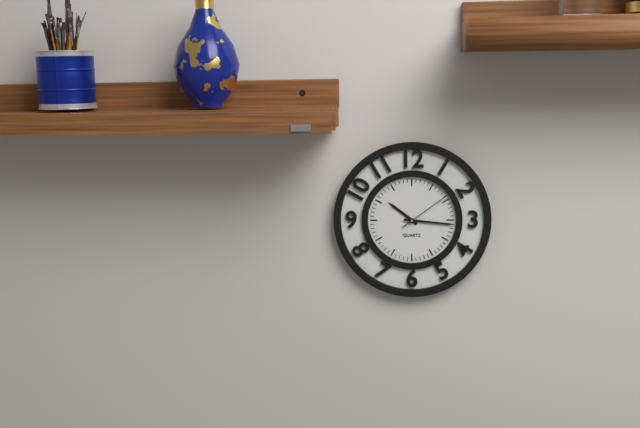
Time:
{"hour": 10, "minute": 16, "second": 9}
